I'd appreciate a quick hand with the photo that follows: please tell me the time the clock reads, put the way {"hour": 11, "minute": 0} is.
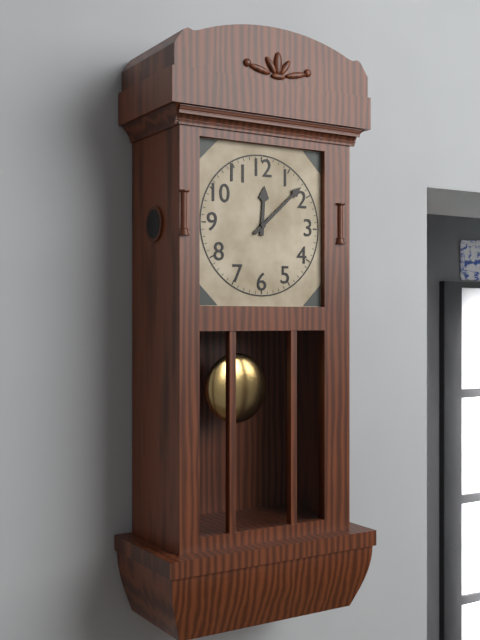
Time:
{"hour": 12, "minute": 8}
